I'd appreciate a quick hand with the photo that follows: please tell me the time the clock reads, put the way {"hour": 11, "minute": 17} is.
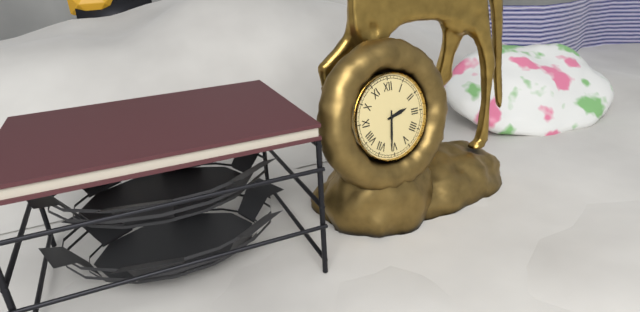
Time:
{"hour": 2, "minute": 31}
